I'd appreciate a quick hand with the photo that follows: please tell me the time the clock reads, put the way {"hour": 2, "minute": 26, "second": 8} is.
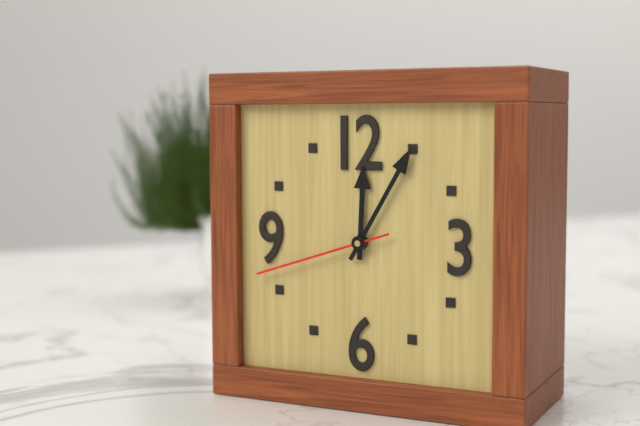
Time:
{"hour": 12, "minute": 5, "second": 42}
